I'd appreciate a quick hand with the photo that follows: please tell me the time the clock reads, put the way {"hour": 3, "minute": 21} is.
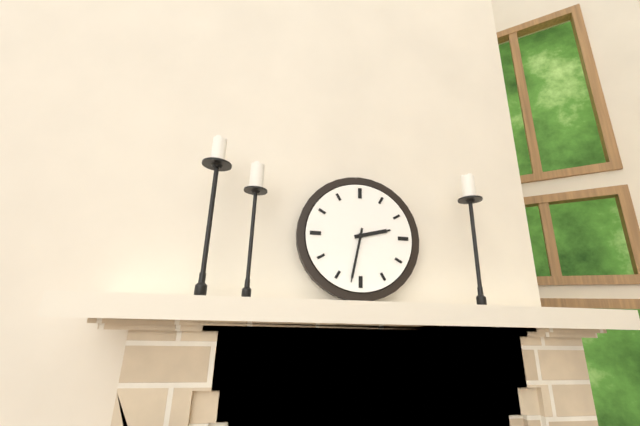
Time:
{"hour": 2, "minute": 32}
